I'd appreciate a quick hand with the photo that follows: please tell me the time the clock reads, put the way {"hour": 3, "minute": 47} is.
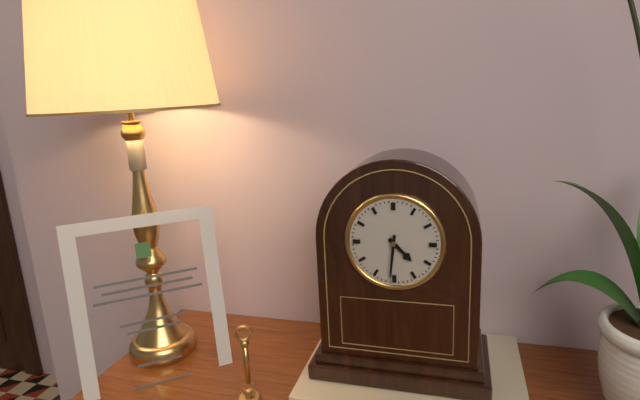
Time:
{"hour": 4, "minute": 31}
